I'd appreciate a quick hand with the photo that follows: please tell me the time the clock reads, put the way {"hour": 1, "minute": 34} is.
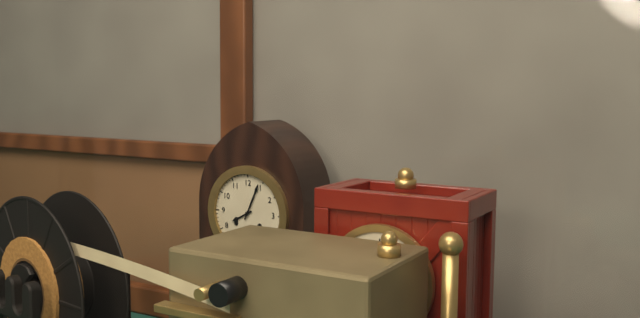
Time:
{"hour": 8, "minute": 4}
